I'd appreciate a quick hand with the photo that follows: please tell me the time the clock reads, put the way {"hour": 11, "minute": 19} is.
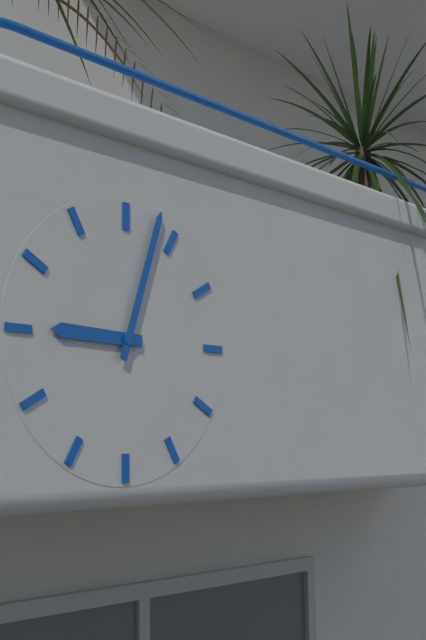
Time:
{"hour": 9, "minute": 3}
